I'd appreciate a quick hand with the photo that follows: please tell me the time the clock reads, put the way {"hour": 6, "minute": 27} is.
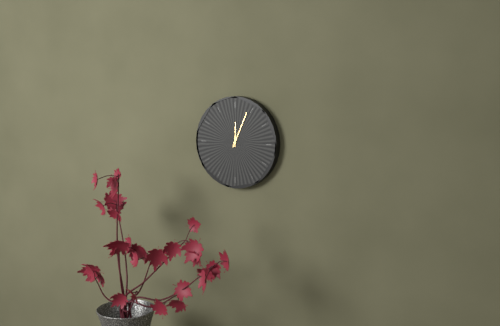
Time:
{"hour": 12, "minute": 4}
